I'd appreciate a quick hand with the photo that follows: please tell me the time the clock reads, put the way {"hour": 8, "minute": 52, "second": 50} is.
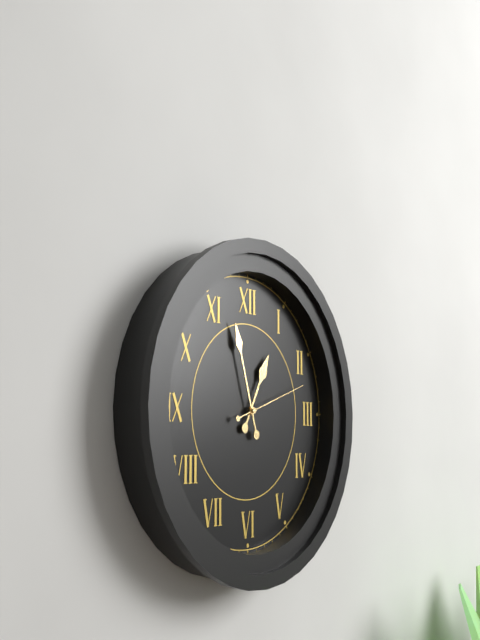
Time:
{"hour": 12, "minute": 57, "second": 12}
